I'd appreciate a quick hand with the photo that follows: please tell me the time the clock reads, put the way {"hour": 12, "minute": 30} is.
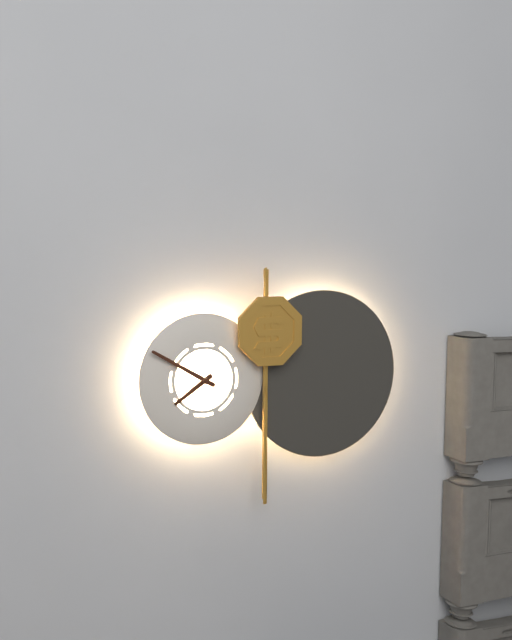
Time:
{"hour": 7, "minute": 50}
